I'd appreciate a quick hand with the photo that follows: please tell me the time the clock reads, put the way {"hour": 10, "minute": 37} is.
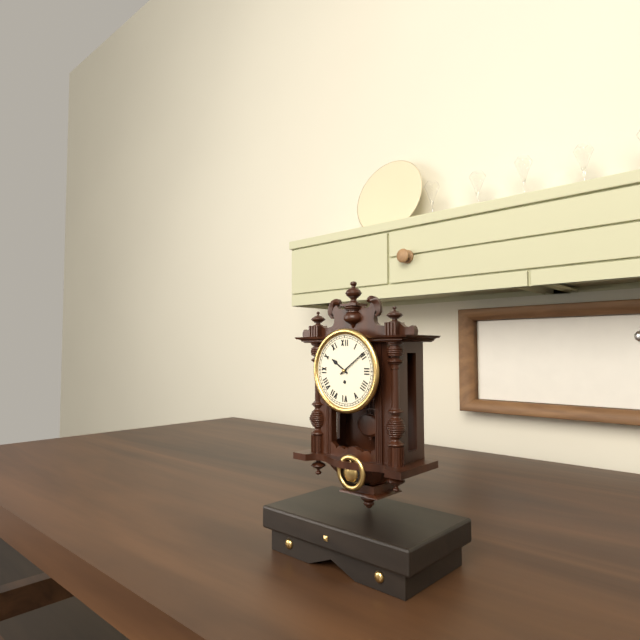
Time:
{"hour": 10, "minute": 9}
